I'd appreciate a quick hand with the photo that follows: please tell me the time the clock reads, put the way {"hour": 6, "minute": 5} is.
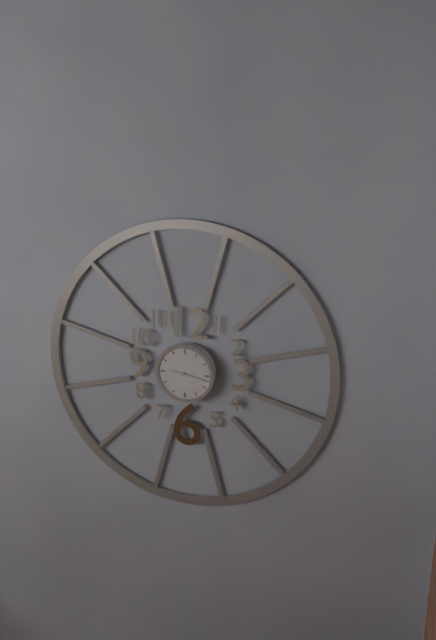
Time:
{"hour": 9, "minute": 17}
